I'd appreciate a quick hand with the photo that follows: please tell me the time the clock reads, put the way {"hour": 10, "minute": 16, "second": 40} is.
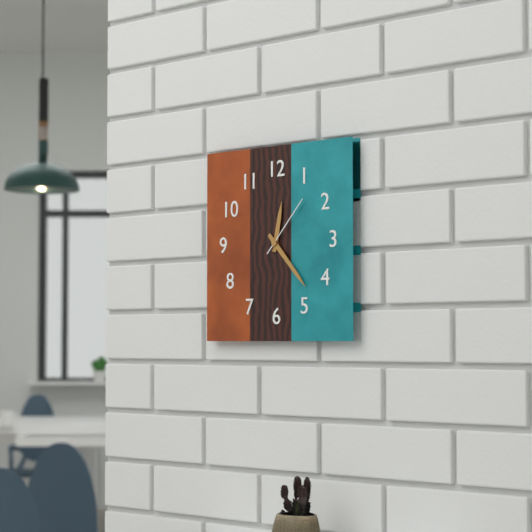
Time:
{"hour": 12, "minute": 23, "second": 7}
